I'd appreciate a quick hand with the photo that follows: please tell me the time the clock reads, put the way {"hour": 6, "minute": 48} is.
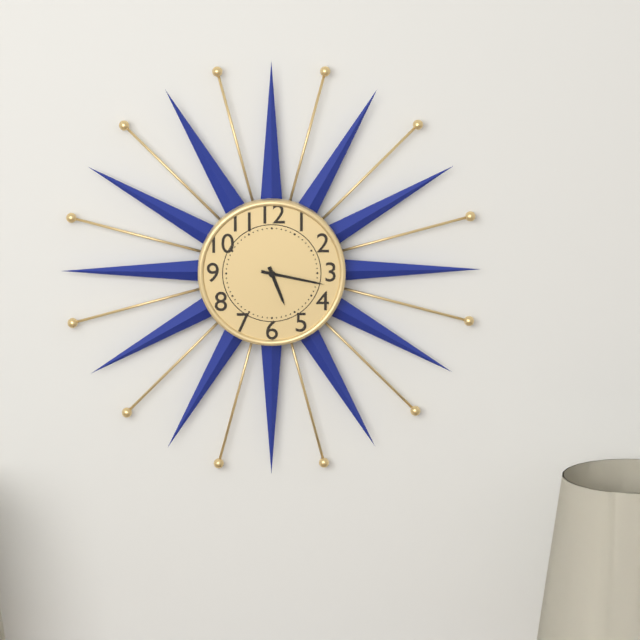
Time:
{"hour": 5, "minute": 17}
